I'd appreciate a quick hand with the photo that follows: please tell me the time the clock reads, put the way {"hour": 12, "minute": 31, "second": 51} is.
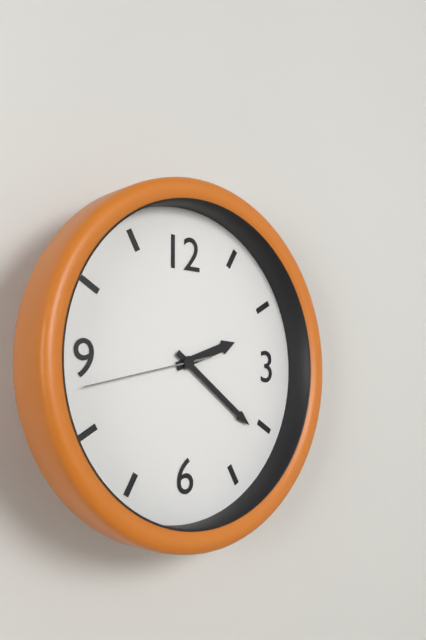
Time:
{"hour": 2, "minute": 21, "second": 43}
